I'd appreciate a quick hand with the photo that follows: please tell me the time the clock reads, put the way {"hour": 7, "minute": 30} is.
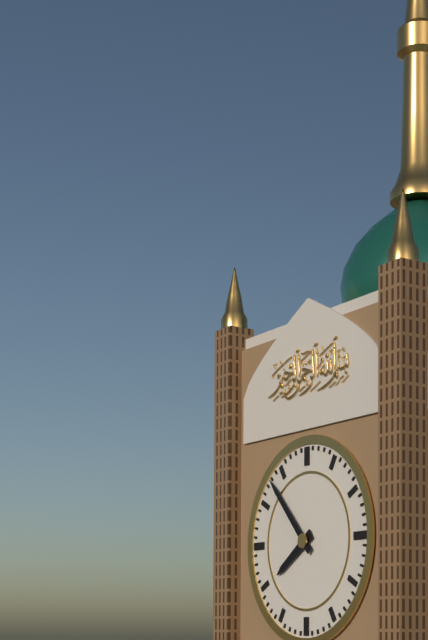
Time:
{"hour": 7, "minute": 53}
